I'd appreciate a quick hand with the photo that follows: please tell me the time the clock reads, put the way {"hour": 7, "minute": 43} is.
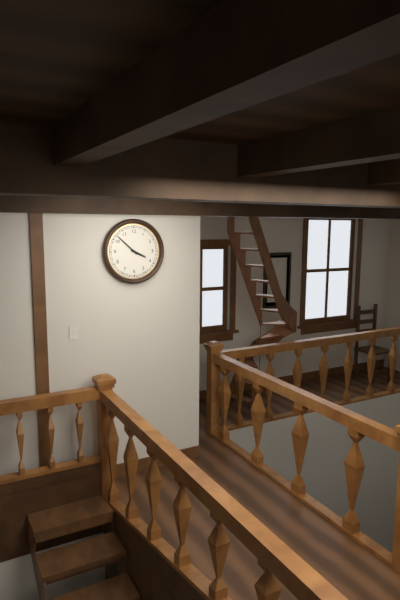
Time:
{"hour": 3, "minute": 52}
